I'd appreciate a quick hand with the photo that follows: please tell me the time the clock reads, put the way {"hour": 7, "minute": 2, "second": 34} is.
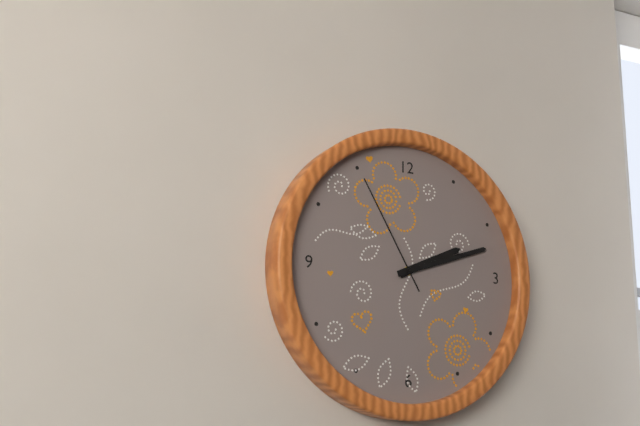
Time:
{"hour": 2, "minute": 12, "second": 55}
